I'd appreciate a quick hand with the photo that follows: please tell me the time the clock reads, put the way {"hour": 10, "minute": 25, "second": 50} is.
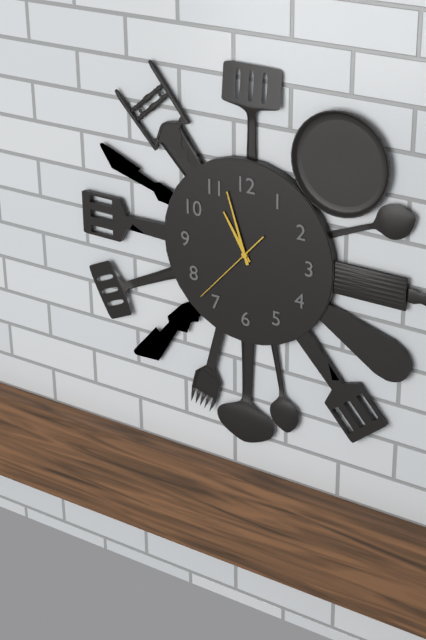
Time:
{"hour": 10, "minute": 57, "second": 37}
